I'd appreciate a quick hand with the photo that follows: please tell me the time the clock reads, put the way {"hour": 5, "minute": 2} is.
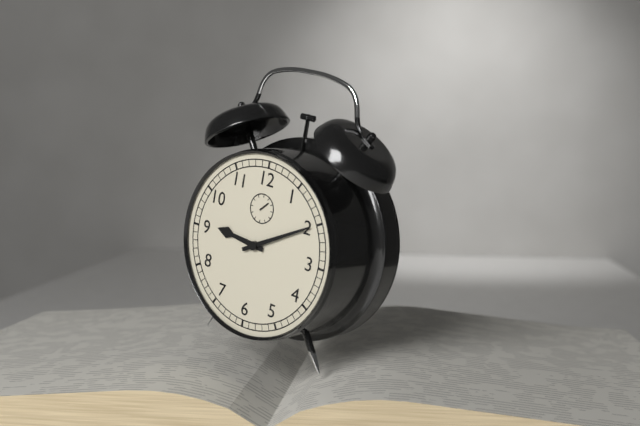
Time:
{"hour": 9, "minute": 10}
